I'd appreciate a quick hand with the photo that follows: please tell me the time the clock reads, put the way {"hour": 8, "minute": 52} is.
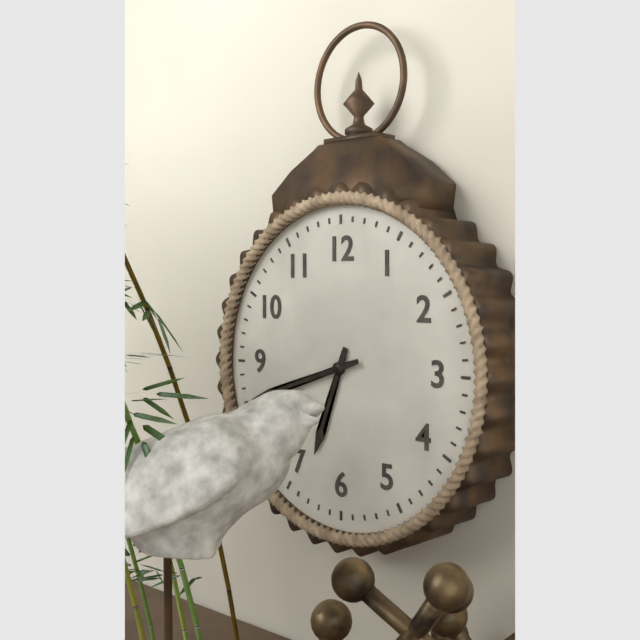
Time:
{"hour": 6, "minute": 42}
